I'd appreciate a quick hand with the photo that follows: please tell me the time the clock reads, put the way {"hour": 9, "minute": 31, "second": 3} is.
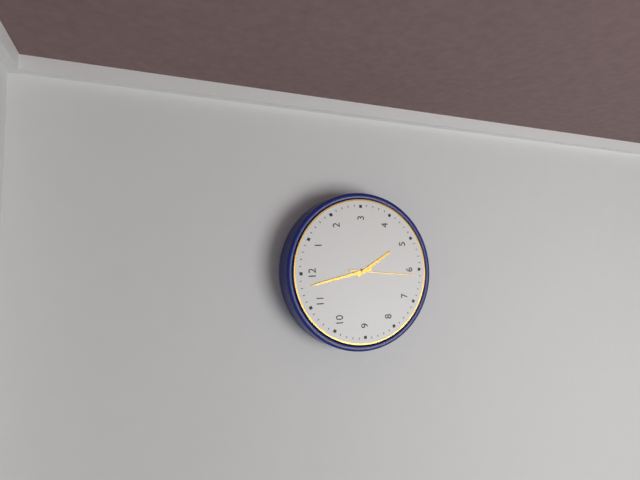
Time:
{"hour": 4, "minute": 58, "second": 31}
